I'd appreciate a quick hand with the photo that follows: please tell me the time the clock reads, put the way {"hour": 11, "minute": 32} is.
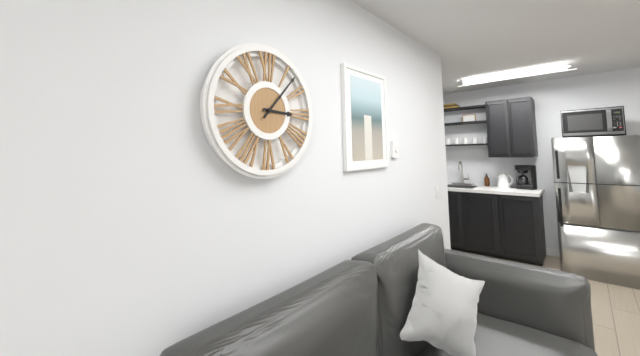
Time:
{"hour": 3, "minute": 7}
